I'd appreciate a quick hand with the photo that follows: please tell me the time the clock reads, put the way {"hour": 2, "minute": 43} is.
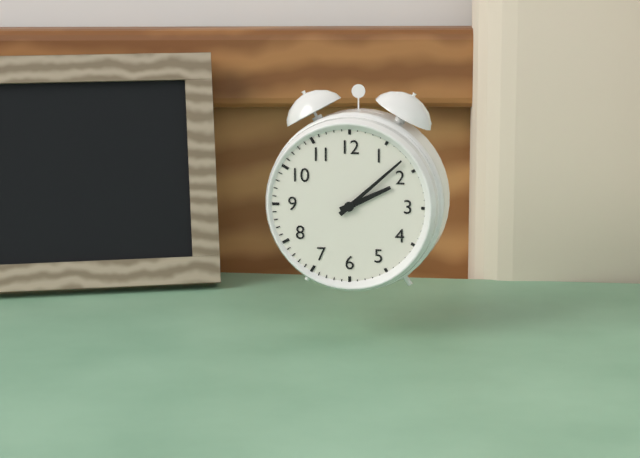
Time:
{"hour": 2, "minute": 8}
